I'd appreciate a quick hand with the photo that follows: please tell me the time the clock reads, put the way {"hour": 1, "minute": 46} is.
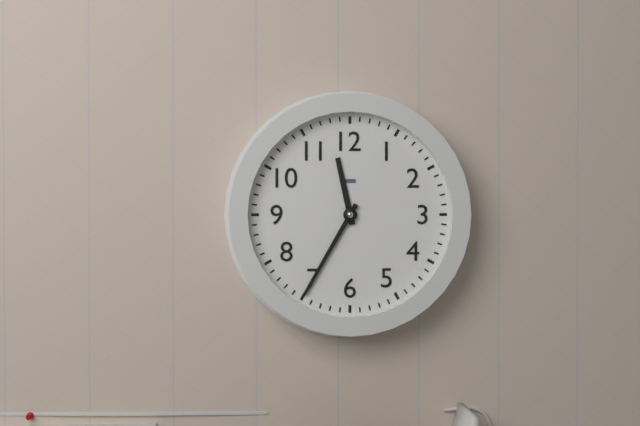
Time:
{"hour": 11, "minute": 35}
